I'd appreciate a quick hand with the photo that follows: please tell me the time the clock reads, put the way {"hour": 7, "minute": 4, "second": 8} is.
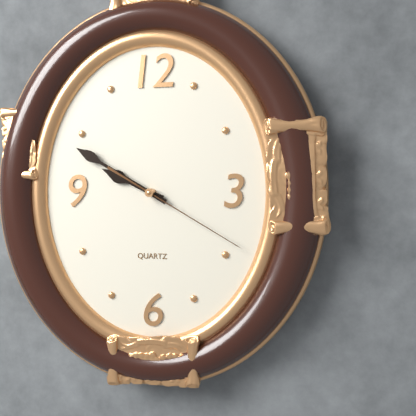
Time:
{"hour": 9, "minute": 50, "second": 20}
